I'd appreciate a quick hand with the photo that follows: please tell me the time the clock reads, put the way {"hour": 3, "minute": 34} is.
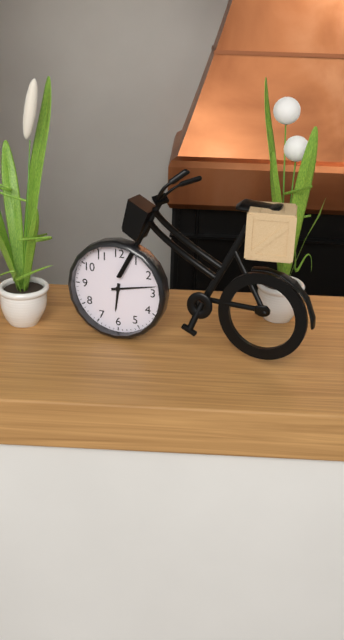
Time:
{"hour": 6, "minute": 13}
